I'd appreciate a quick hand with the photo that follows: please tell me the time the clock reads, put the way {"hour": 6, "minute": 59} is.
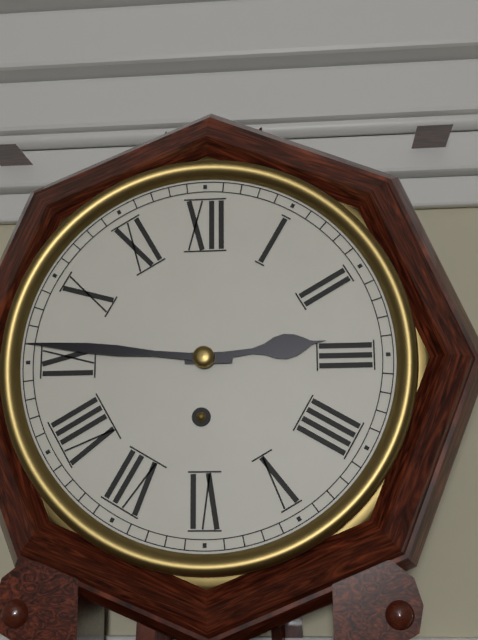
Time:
{"hour": 2, "minute": 46}
